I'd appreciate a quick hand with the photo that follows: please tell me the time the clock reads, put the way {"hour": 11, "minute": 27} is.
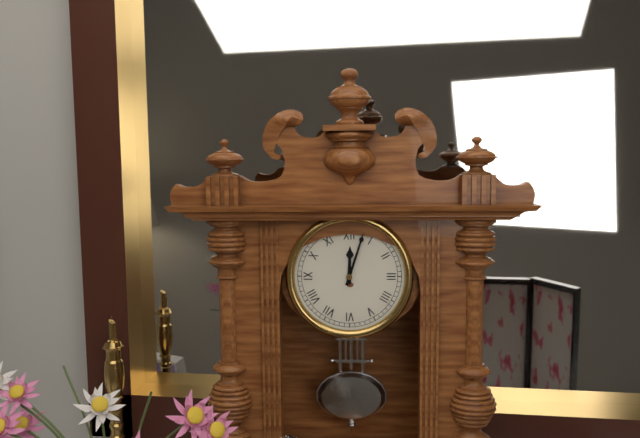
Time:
{"hour": 12, "minute": 3}
